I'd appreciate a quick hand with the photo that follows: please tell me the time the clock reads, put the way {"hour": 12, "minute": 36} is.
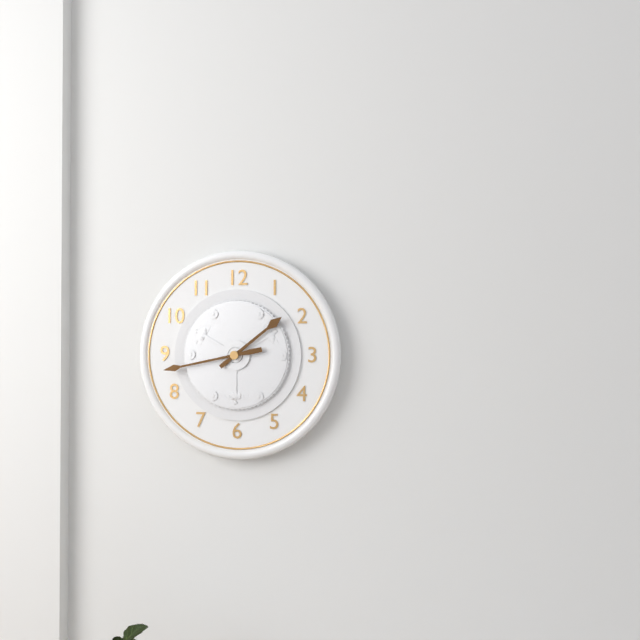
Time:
{"hour": 1, "minute": 43}
